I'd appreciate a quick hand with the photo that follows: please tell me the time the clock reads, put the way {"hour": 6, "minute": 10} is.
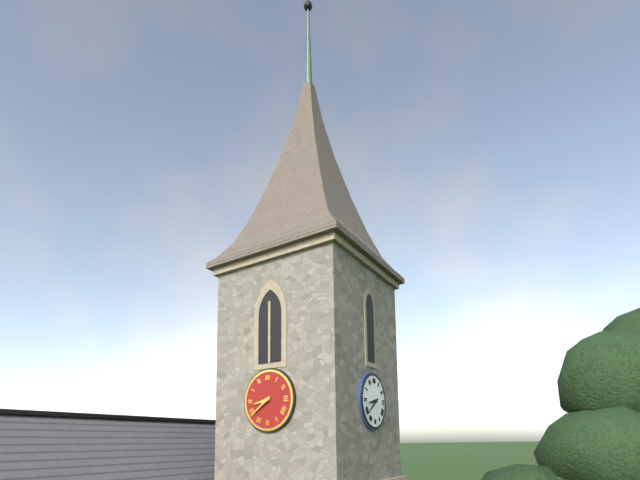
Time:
{"hour": 8, "minute": 39}
